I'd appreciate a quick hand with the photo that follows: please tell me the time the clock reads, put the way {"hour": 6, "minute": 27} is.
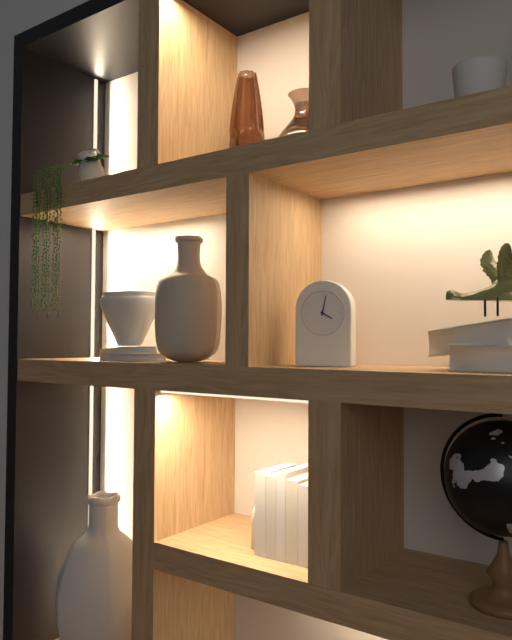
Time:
{"hour": 4, "minute": 2}
